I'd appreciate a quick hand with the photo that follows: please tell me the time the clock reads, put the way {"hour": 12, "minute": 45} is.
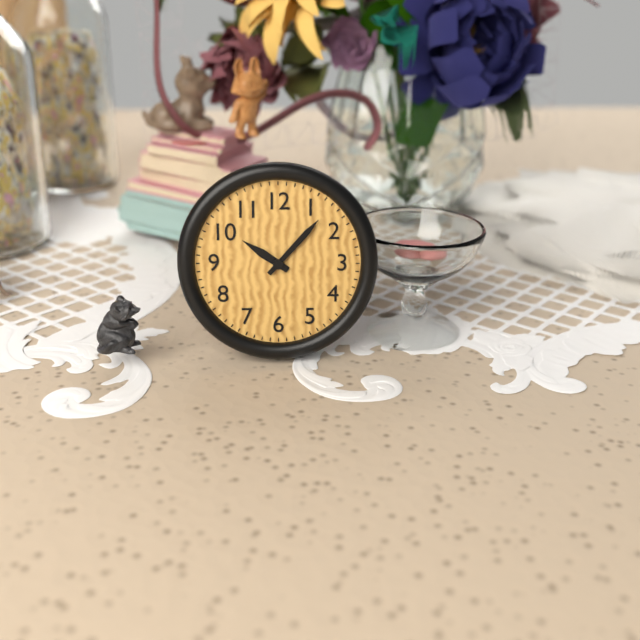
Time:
{"hour": 10, "minute": 7}
